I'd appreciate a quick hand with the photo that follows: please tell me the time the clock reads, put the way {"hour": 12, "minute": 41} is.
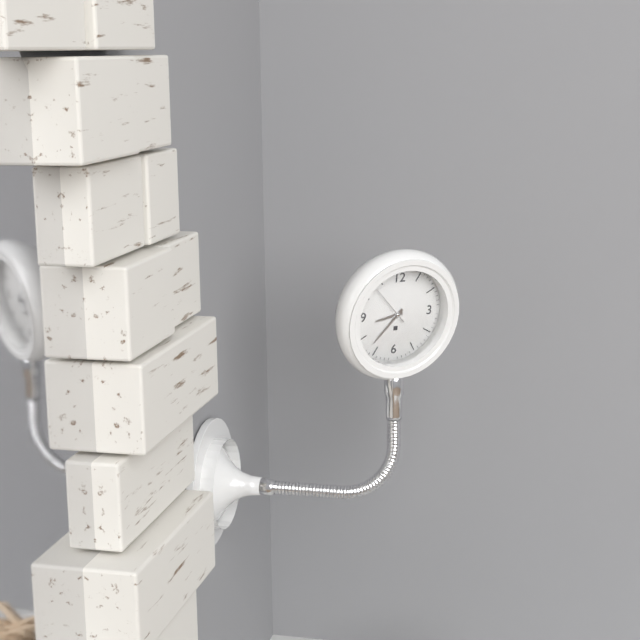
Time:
{"hour": 8, "minute": 37}
